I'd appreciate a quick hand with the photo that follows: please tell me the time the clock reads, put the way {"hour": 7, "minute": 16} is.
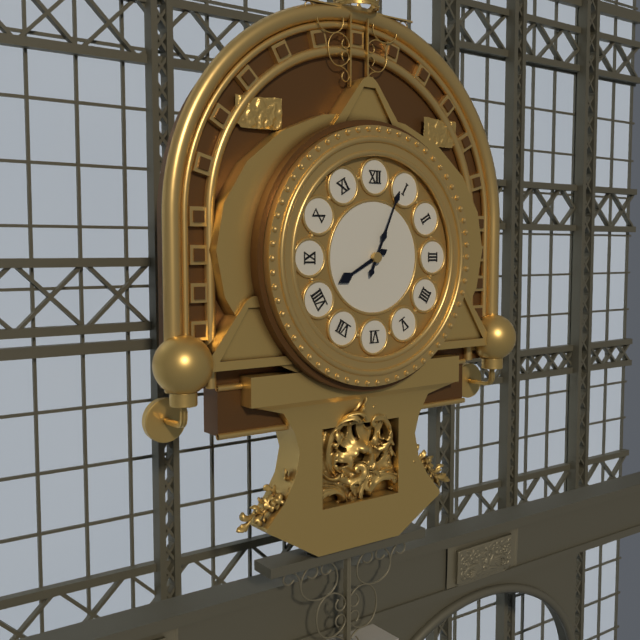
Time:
{"hour": 8, "minute": 4}
